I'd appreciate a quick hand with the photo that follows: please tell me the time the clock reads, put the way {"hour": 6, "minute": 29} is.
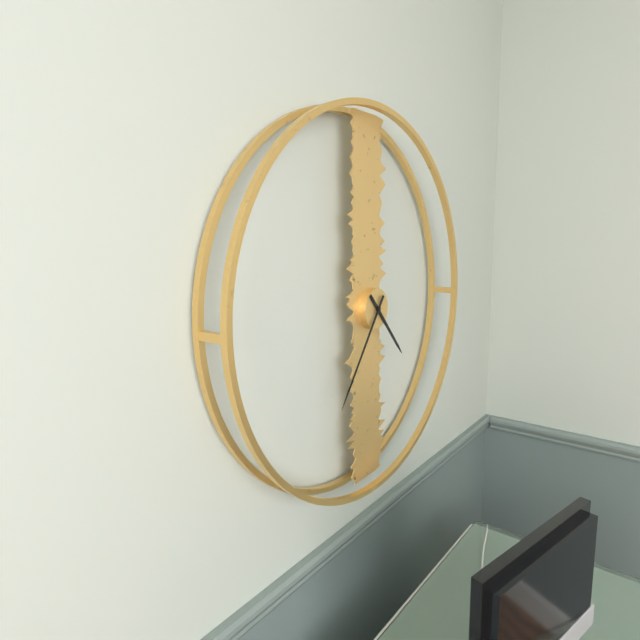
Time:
{"hour": 4, "minute": 36}
